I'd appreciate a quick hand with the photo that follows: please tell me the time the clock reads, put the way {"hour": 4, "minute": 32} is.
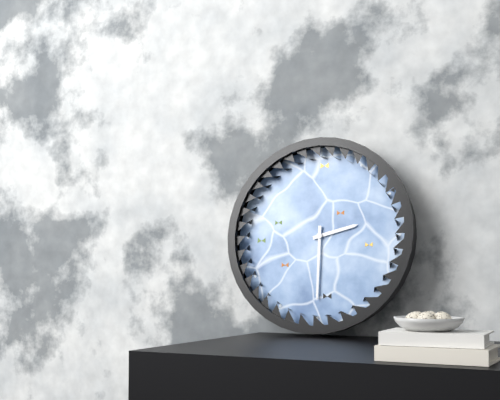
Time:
{"hour": 2, "minute": 30}
